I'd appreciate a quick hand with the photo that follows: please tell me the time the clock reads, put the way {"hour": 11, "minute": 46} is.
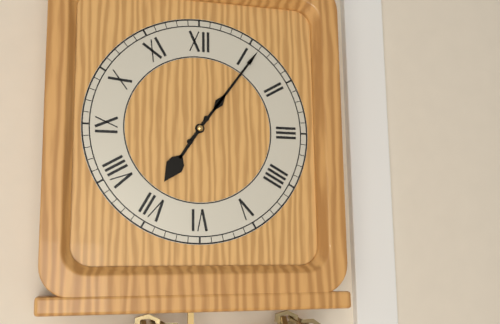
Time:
{"hour": 7, "minute": 6}
